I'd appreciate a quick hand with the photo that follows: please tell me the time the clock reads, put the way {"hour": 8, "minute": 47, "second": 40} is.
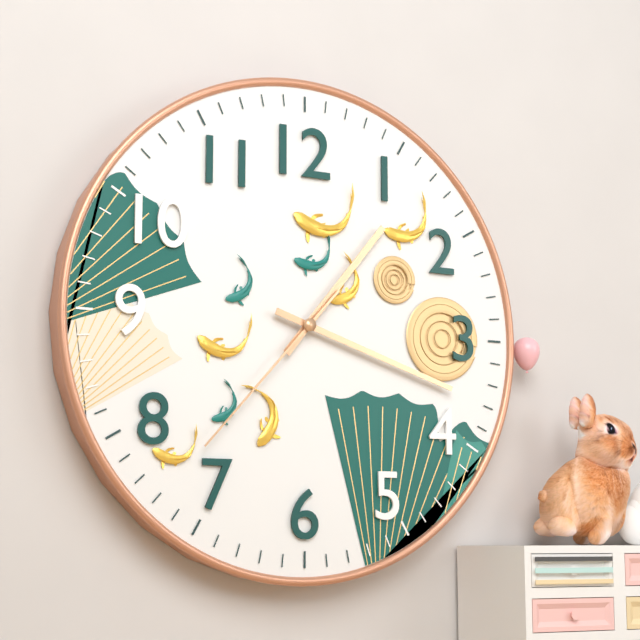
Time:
{"hour": 1, "minute": 18, "second": 37}
